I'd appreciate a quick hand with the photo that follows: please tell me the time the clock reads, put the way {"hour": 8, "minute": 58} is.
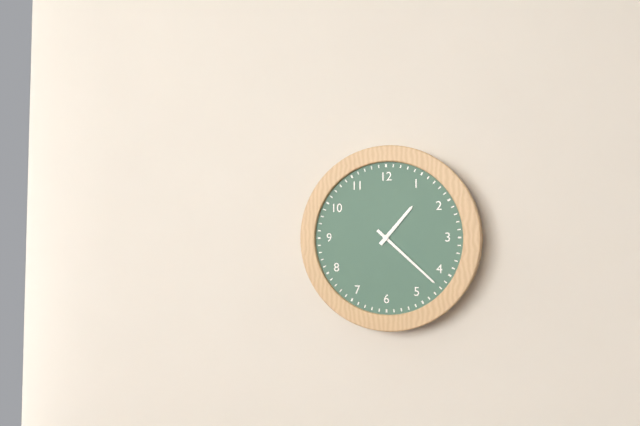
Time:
{"hour": 1, "minute": 22}
